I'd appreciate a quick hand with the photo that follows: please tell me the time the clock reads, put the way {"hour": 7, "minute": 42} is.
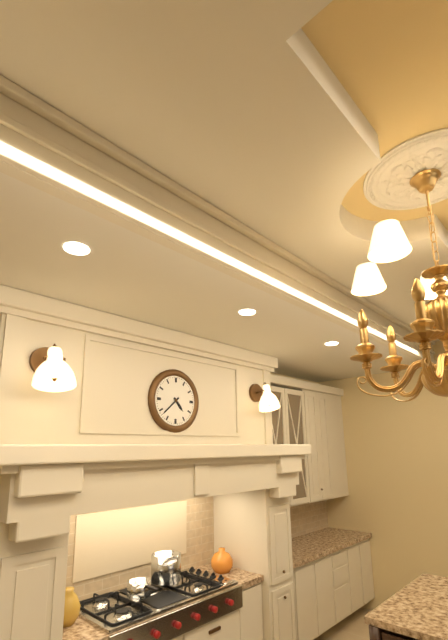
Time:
{"hour": 4, "minute": 38}
